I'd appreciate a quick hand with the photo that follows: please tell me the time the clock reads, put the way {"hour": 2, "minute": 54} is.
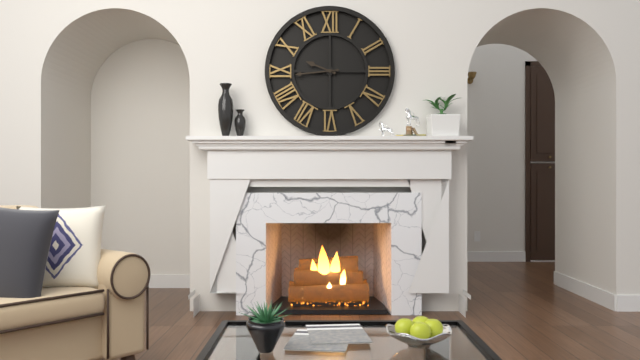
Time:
{"hour": 9, "minute": 44}
